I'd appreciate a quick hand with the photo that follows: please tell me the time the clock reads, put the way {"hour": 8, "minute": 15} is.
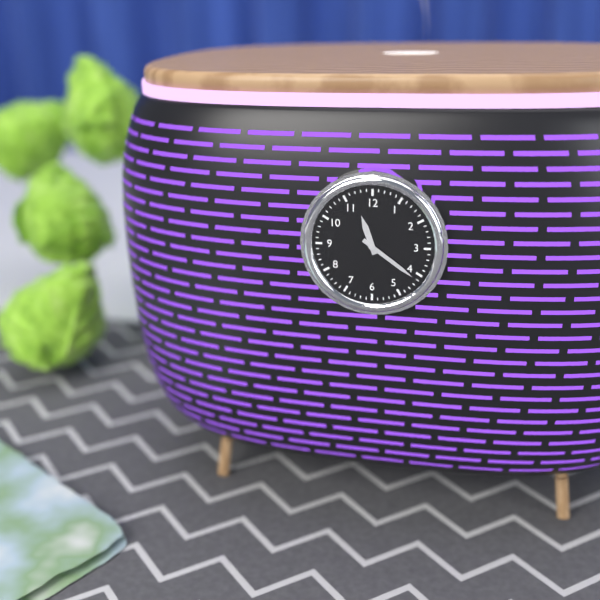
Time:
{"hour": 11, "minute": 21}
